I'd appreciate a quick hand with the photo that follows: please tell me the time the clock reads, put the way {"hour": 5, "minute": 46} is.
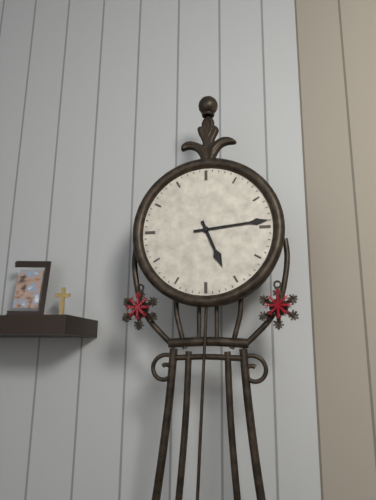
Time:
{"hour": 5, "minute": 14}
